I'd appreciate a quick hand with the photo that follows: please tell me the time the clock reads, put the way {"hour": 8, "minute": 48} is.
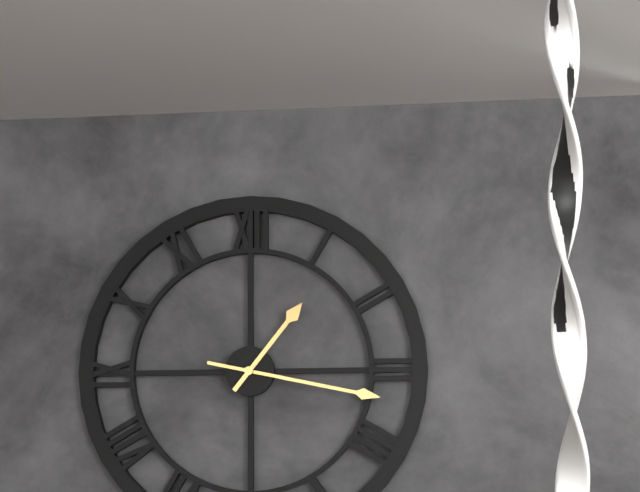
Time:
{"hour": 1, "minute": 17}
